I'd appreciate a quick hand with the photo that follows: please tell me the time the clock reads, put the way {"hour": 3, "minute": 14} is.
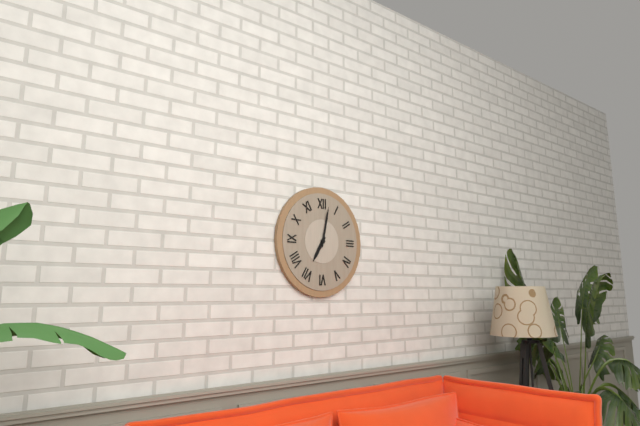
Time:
{"hour": 7, "minute": 2}
